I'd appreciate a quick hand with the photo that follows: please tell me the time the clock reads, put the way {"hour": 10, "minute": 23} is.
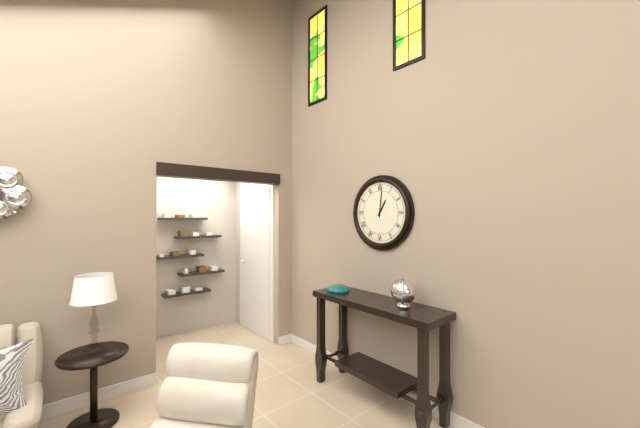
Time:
{"hour": 1, "minute": 1}
